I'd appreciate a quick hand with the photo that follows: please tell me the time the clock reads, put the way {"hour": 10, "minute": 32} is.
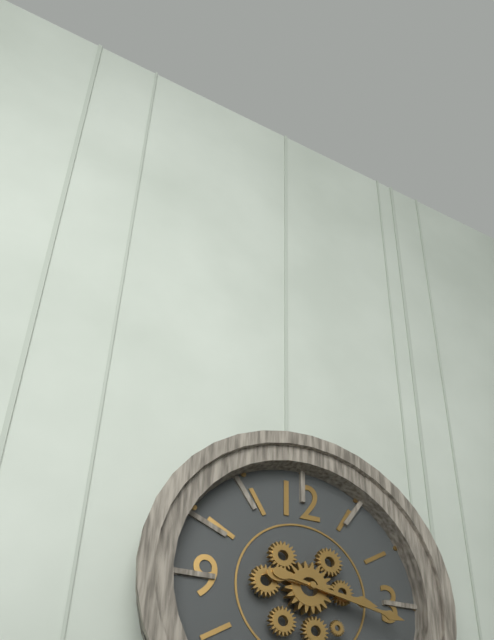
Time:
{"hour": 3, "minute": 17}
